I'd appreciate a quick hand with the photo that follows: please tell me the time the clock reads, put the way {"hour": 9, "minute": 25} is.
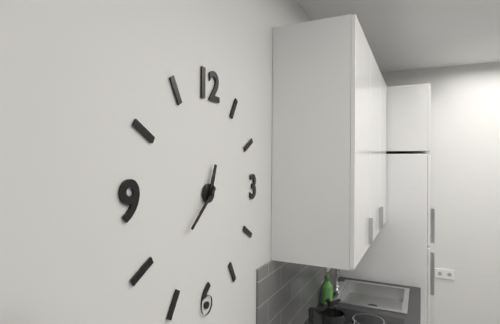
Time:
{"hour": 12, "minute": 38}
